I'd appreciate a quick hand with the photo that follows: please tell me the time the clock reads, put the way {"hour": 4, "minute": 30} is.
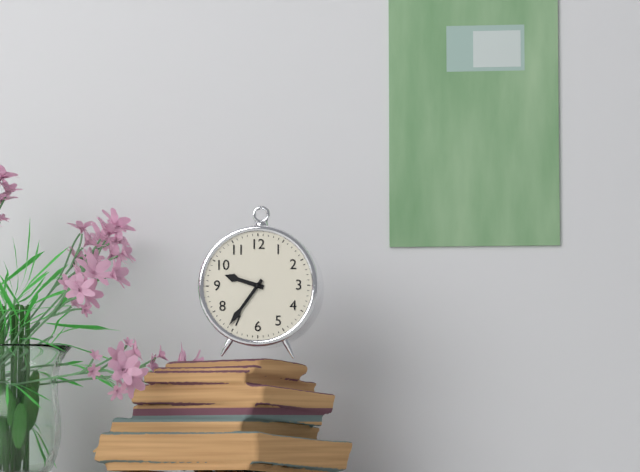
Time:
{"hour": 9, "minute": 36}
